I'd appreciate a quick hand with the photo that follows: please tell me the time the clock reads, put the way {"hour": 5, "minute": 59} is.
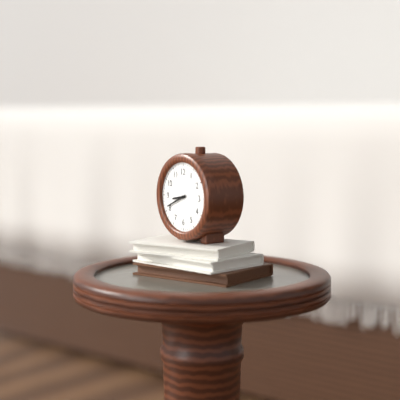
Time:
{"hour": 8, "minute": 41}
